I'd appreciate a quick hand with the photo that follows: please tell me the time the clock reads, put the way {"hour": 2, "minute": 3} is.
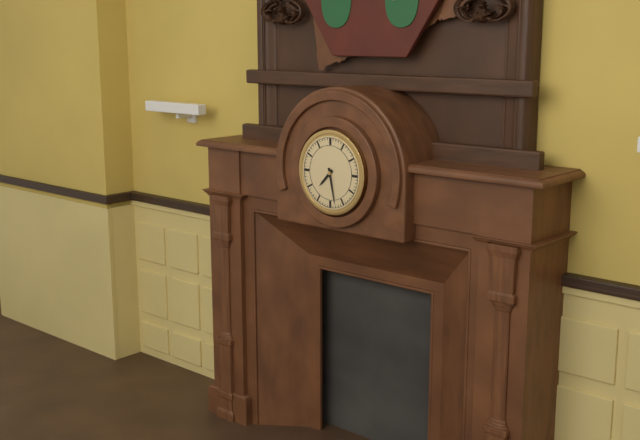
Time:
{"hour": 7, "minute": 28}
